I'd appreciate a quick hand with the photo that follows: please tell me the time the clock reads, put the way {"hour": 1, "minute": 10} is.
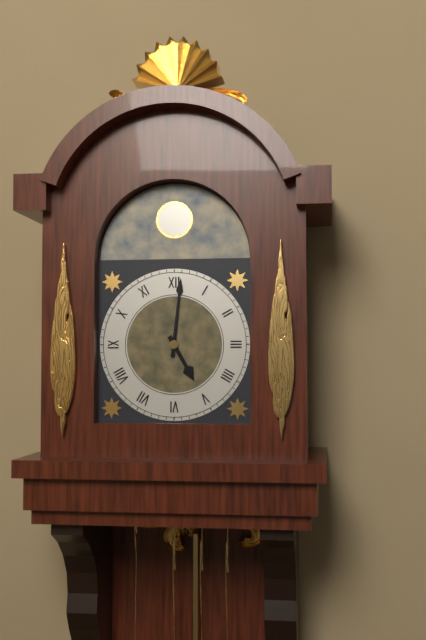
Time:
{"hour": 5, "minute": 1}
